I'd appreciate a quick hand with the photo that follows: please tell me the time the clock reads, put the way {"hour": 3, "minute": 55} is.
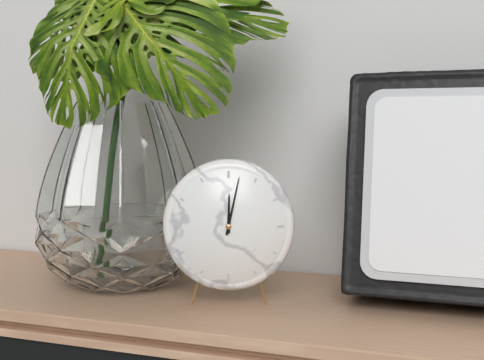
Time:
{"hour": 12, "minute": 2}
